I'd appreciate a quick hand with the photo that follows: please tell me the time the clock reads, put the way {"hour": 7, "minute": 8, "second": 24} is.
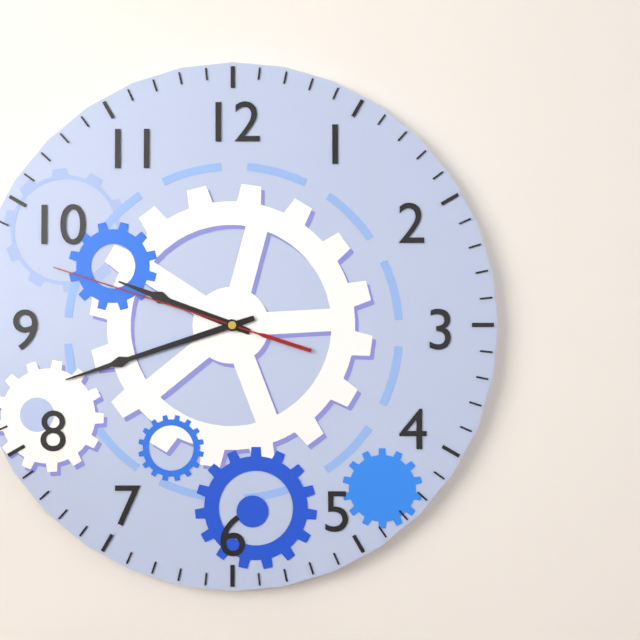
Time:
{"hour": 9, "minute": 42, "second": 48}
